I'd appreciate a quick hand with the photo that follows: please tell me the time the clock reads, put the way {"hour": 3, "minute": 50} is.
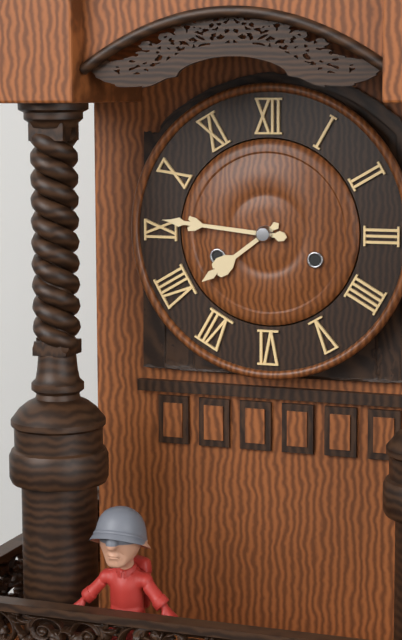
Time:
{"hour": 7, "minute": 46}
